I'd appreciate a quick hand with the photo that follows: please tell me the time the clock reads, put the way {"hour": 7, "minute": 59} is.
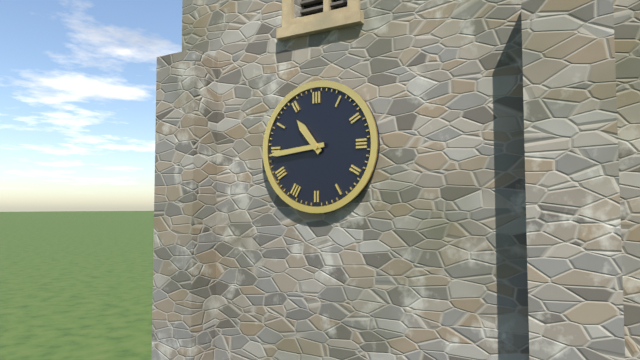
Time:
{"hour": 10, "minute": 44}
